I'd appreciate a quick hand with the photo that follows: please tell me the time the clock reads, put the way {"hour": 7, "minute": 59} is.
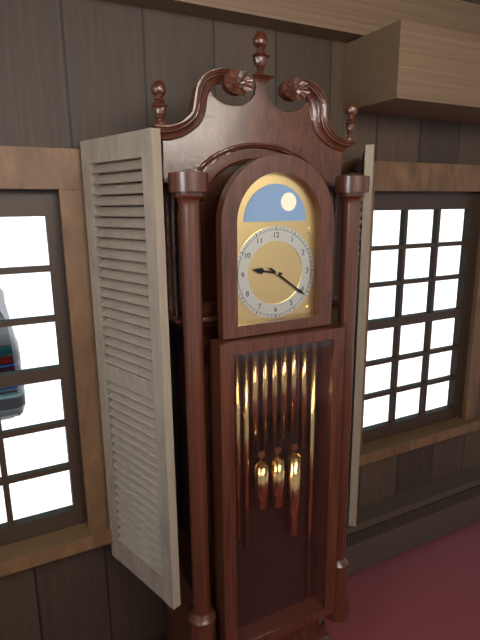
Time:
{"hour": 9, "minute": 21}
